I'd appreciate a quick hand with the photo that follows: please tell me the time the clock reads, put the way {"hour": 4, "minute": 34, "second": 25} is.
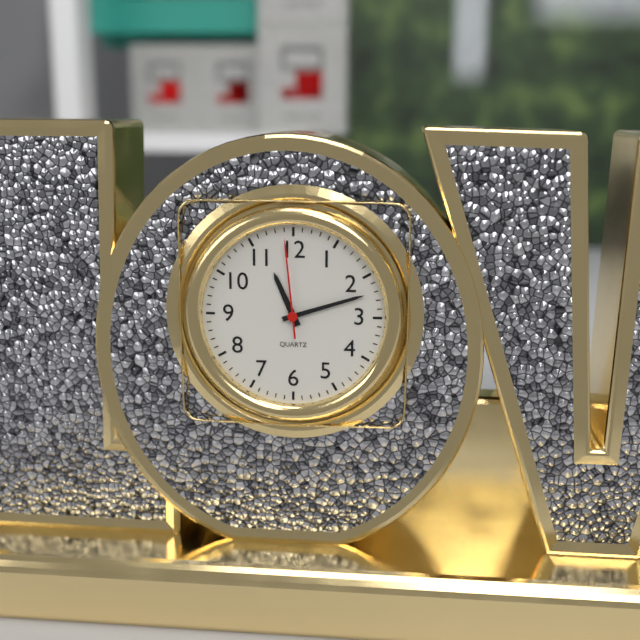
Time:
{"hour": 11, "minute": 12, "second": 59}
